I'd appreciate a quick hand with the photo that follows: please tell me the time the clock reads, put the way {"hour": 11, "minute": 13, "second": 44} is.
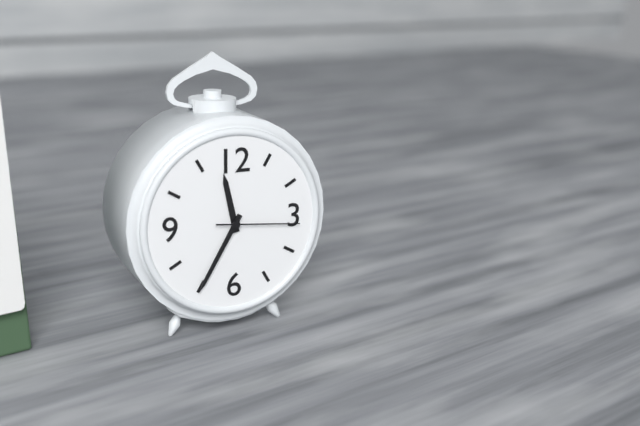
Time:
{"hour": 11, "minute": 35, "second": 16}
